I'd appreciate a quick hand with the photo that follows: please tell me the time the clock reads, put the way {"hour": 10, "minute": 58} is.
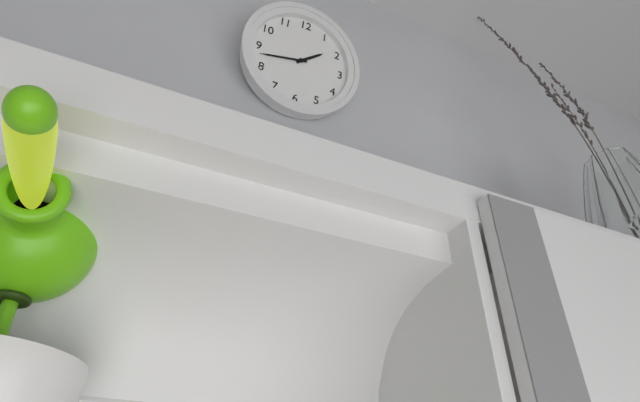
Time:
{"hour": 1, "minute": 43}
